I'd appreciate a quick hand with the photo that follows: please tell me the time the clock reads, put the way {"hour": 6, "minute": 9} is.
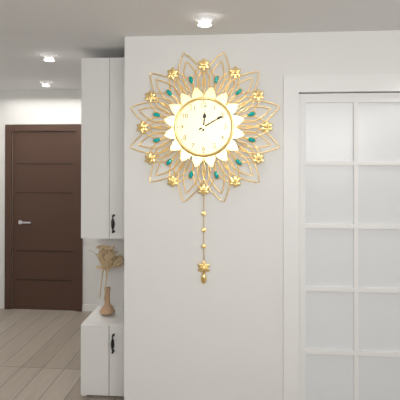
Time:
{"hour": 12, "minute": 10}
